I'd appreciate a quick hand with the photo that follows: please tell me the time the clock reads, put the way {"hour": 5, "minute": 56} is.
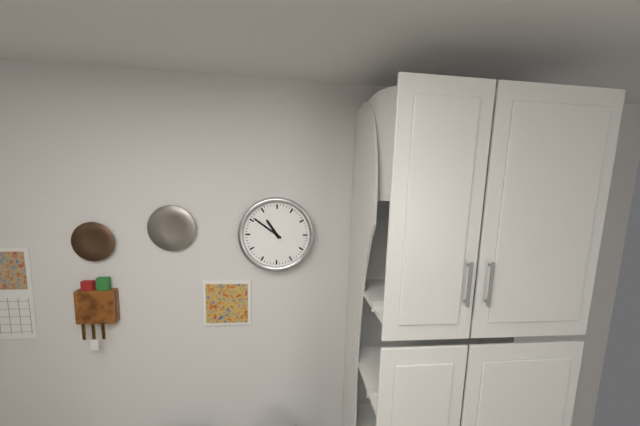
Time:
{"hour": 10, "minute": 51}
